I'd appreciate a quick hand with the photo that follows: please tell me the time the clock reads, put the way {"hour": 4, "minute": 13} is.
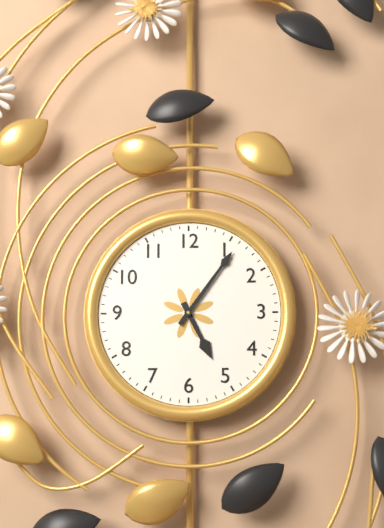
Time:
{"hour": 5, "minute": 6}
